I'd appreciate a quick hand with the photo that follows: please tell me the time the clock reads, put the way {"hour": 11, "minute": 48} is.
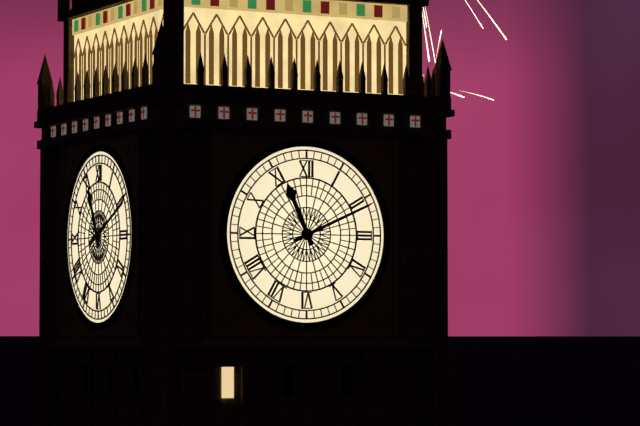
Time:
{"hour": 11, "minute": 11}
